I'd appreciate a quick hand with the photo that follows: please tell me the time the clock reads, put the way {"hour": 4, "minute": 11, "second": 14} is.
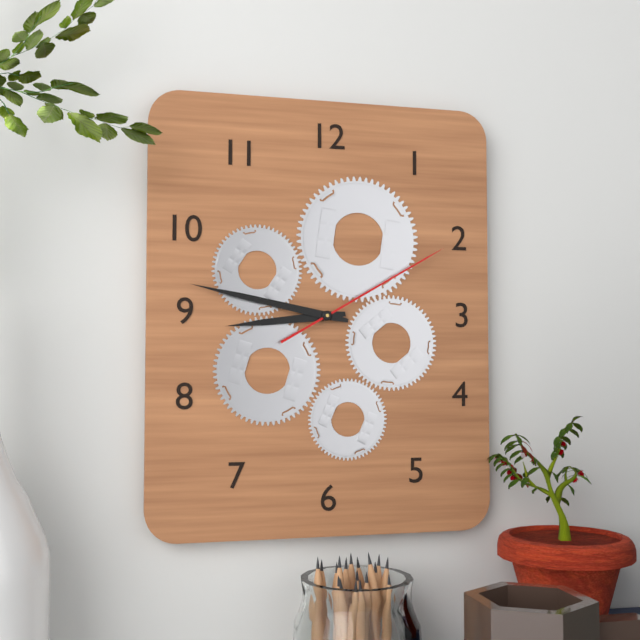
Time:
{"hour": 8, "minute": 47, "second": 10}
